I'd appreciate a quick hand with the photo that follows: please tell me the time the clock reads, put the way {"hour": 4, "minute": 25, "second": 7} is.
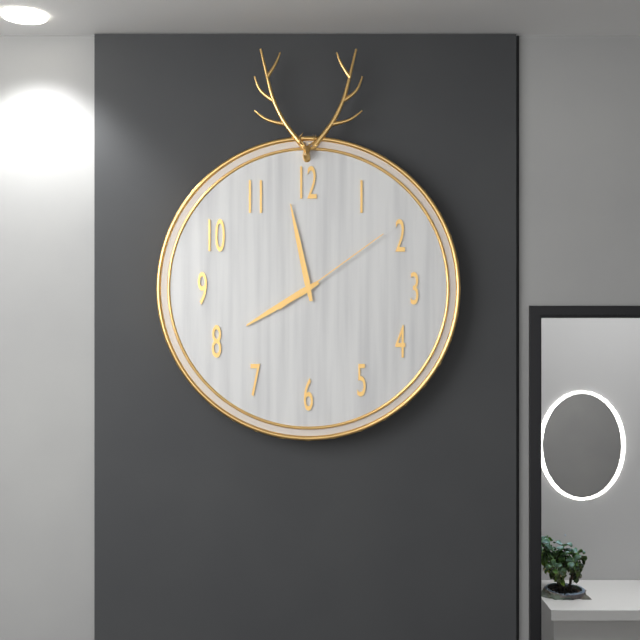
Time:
{"hour": 7, "minute": 58, "second": 9}
